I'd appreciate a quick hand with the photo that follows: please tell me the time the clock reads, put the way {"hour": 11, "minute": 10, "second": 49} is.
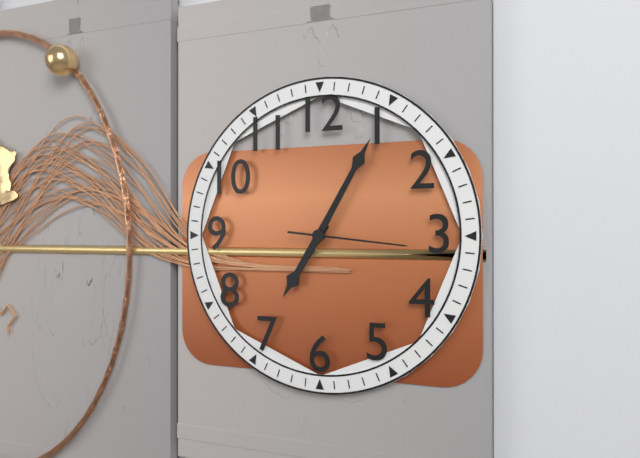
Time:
{"hour": 7, "minute": 5, "second": 16}
